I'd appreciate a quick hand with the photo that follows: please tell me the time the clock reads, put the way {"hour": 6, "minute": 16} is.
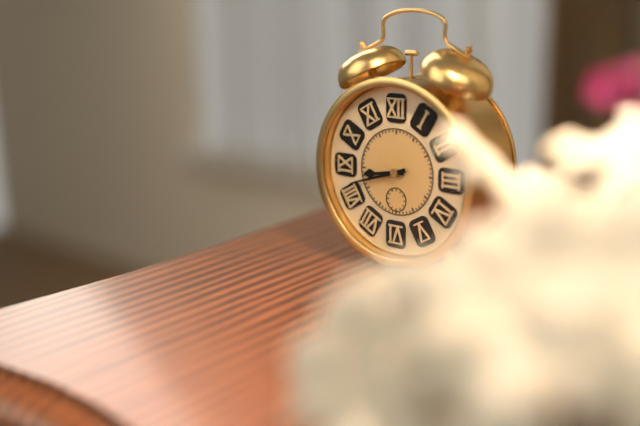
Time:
{"hour": 8, "minute": 42}
